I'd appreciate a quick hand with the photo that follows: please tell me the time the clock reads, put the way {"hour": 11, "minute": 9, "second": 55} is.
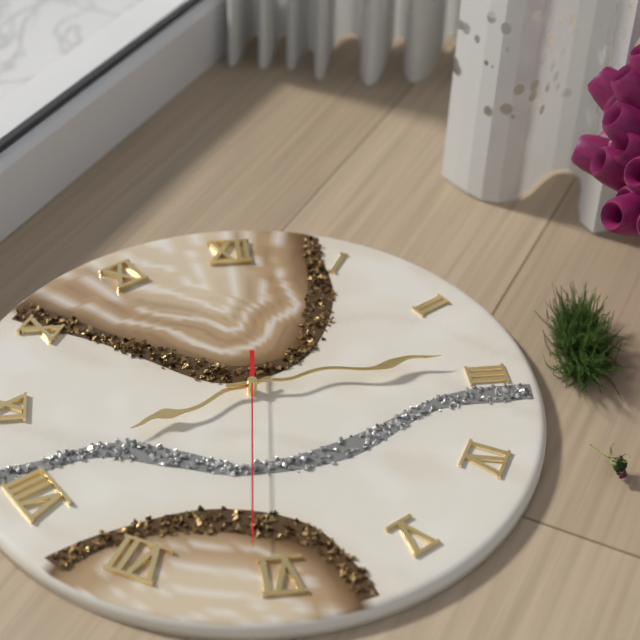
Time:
{"hour": 8, "minute": 14, "second": 31}
